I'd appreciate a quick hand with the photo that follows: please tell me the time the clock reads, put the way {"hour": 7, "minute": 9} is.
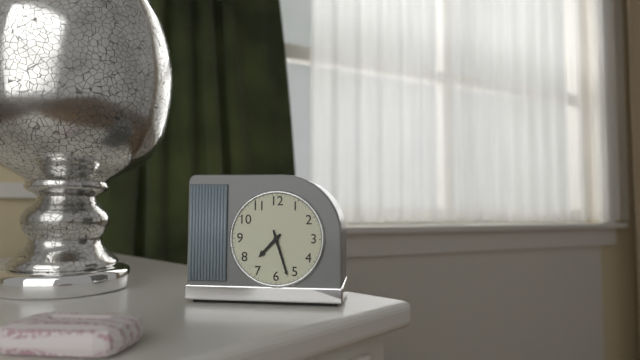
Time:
{"hour": 7, "minute": 27}
